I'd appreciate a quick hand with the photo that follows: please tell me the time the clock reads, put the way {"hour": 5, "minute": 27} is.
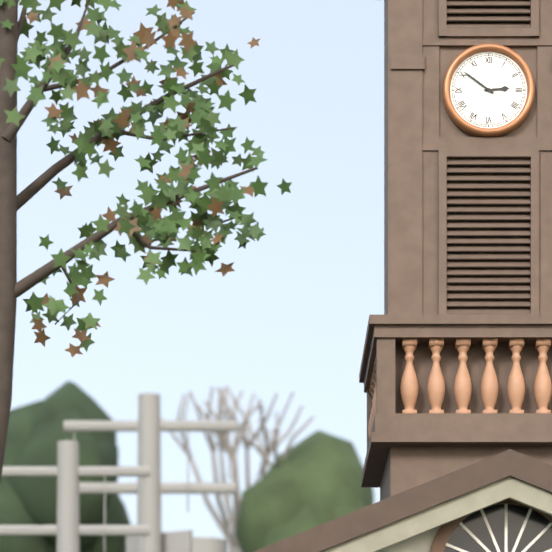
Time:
{"hour": 2, "minute": 51}
